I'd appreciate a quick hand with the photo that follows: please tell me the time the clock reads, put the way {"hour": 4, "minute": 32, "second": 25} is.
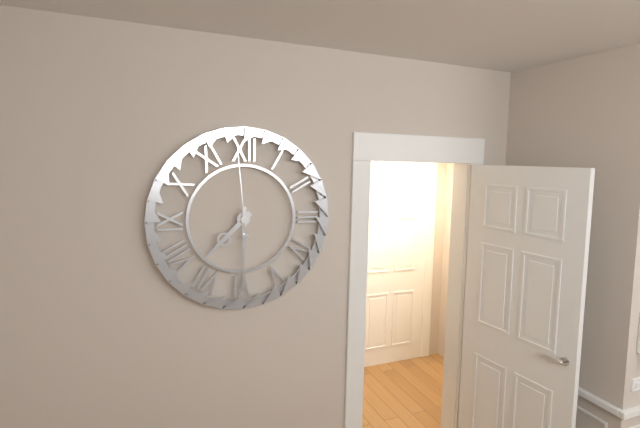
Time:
{"hour": 7, "minute": 30, "second": 59}
